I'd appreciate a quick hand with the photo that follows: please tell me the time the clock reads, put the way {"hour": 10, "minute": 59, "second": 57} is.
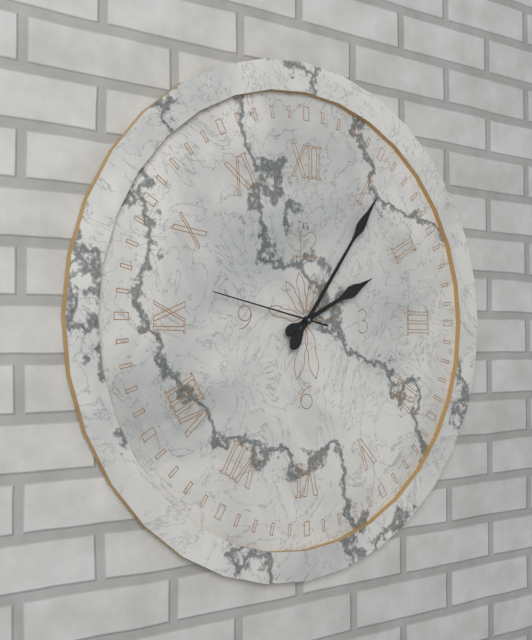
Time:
{"hour": 2, "minute": 6, "second": 47}
